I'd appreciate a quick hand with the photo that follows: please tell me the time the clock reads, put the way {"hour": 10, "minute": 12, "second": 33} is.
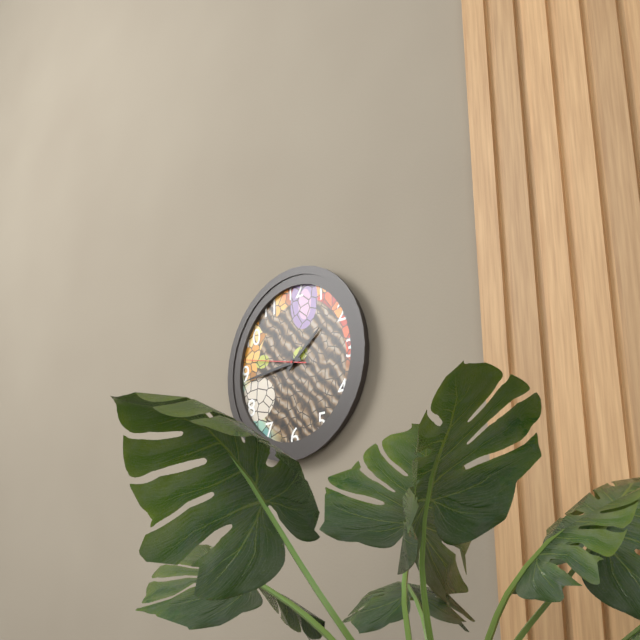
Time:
{"hour": 1, "minute": 44, "second": 47}
